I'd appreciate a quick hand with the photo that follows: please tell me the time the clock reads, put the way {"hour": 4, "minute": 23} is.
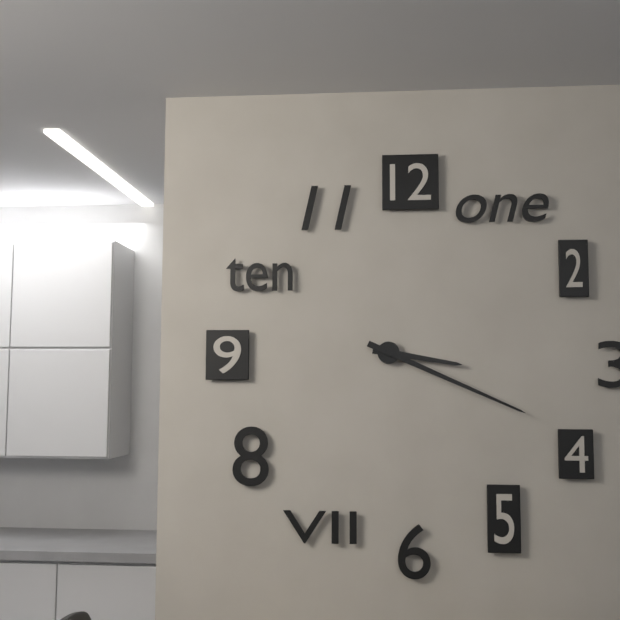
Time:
{"hour": 3, "minute": 19}
